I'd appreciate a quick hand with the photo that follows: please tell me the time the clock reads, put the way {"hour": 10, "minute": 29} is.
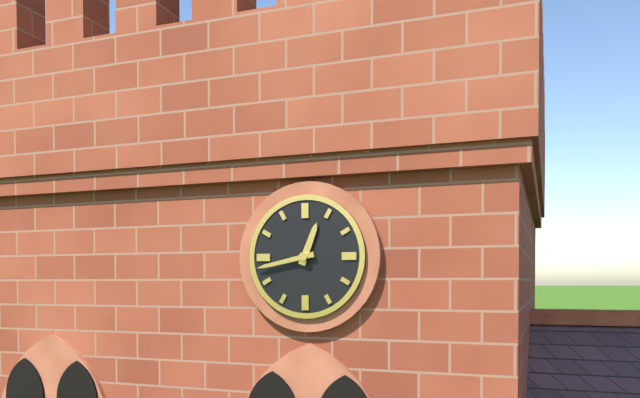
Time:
{"hour": 12, "minute": 43}
